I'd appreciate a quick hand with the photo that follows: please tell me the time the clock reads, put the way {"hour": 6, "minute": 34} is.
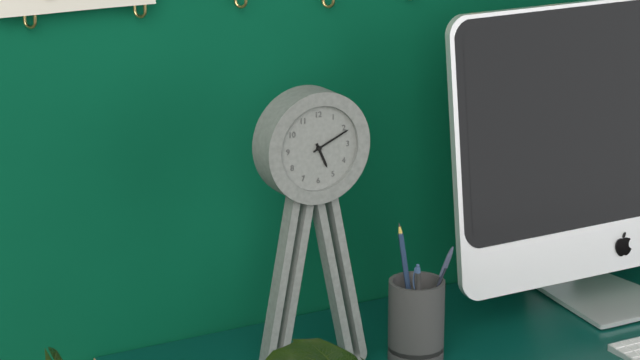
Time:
{"hour": 5, "minute": 11}
